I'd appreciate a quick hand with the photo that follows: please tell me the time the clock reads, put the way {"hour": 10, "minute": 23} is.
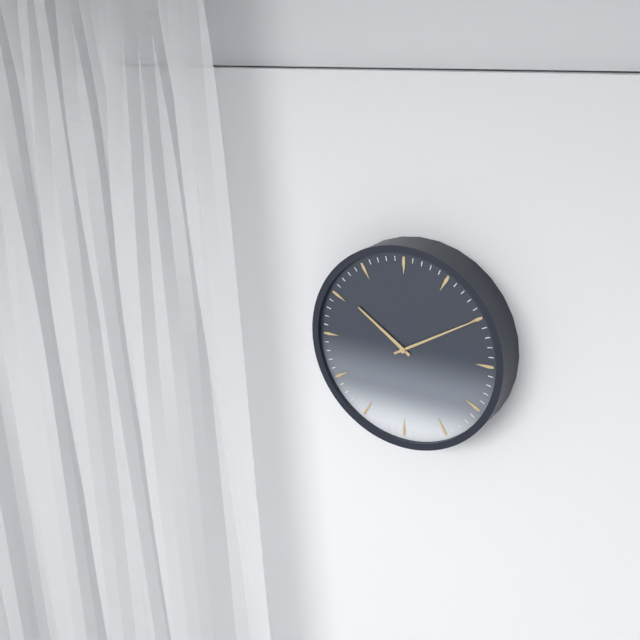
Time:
{"hour": 10, "minute": 10}
